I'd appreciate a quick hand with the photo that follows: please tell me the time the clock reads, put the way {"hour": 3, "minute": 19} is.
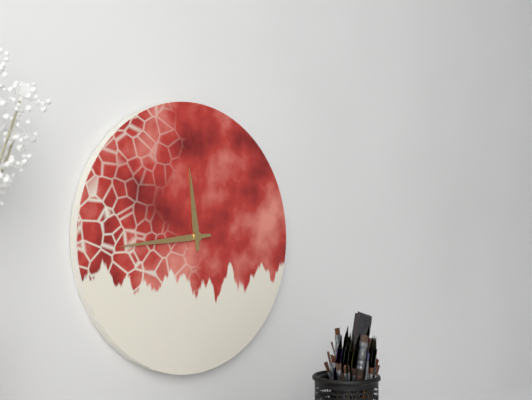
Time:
{"hour": 11, "minute": 44}
